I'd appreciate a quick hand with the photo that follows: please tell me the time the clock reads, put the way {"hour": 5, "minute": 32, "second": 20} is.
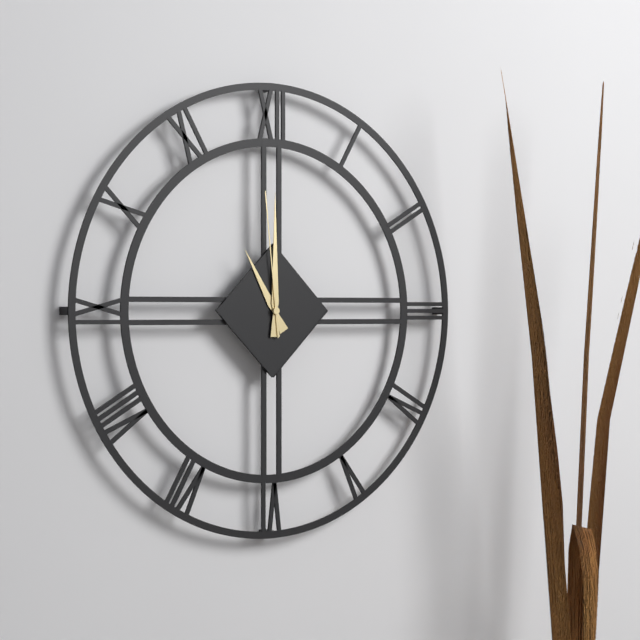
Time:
{"hour": 11, "minute": 0, "second": 59}
